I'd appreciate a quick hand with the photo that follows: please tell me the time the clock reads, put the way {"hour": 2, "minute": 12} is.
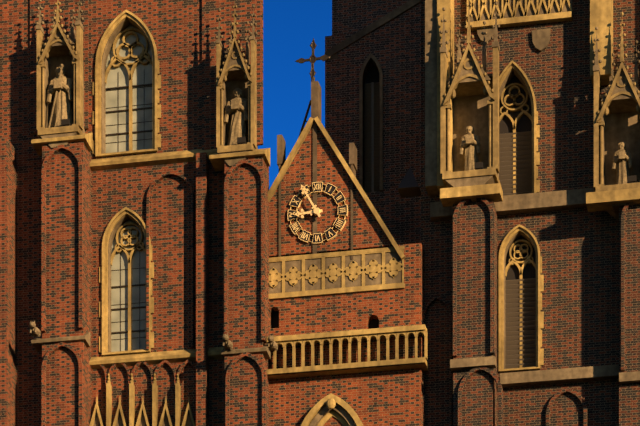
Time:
{"hour": 8, "minute": 55}
